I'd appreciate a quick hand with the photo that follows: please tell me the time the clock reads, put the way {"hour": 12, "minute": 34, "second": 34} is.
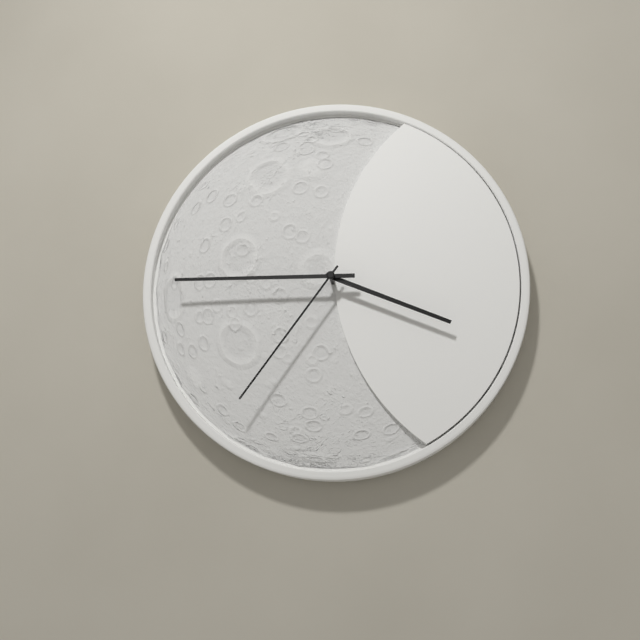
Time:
{"hour": 3, "minute": 45, "second": 36}
